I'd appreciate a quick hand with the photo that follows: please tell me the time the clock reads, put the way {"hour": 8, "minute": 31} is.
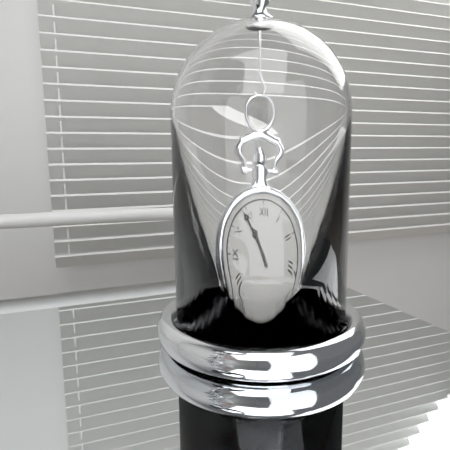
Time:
{"hour": 10, "minute": 54}
